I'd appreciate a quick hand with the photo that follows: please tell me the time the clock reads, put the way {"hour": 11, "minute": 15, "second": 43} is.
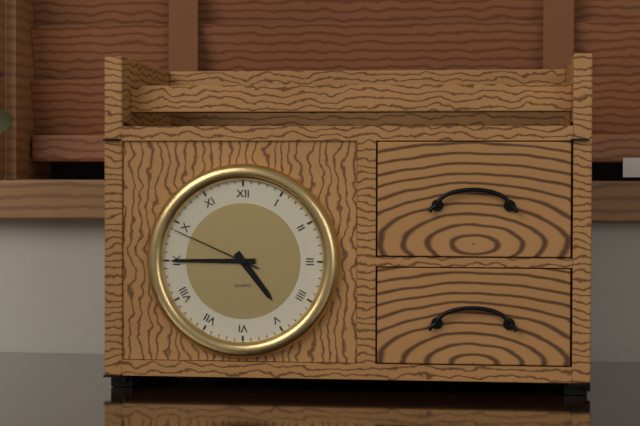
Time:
{"hour": 4, "minute": 45, "second": 49}
